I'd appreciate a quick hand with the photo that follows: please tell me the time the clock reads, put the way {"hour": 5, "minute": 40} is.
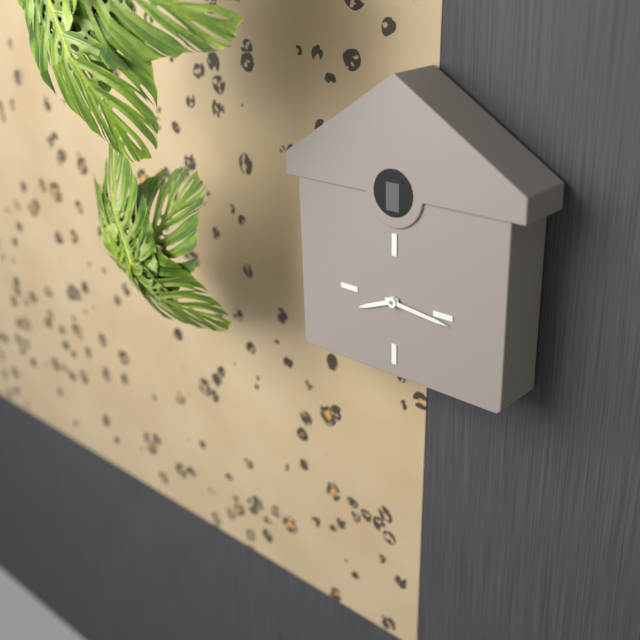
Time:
{"hour": 8, "minute": 16}
